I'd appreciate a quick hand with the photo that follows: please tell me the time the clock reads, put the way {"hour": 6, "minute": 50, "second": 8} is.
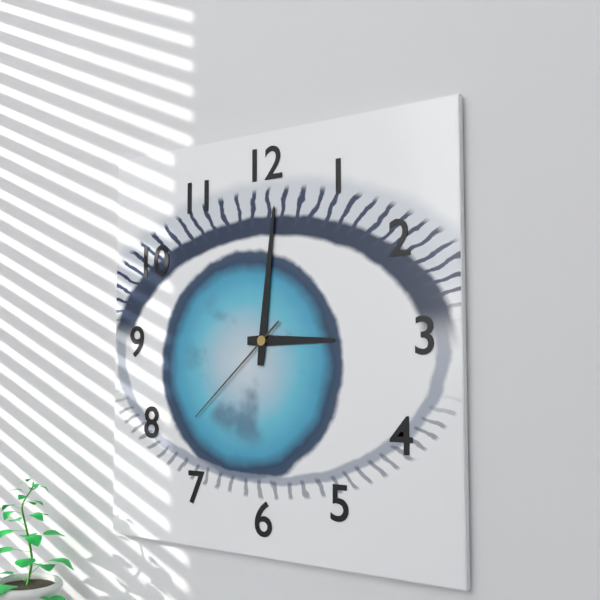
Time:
{"hour": 3, "minute": 1, "second": 38}
